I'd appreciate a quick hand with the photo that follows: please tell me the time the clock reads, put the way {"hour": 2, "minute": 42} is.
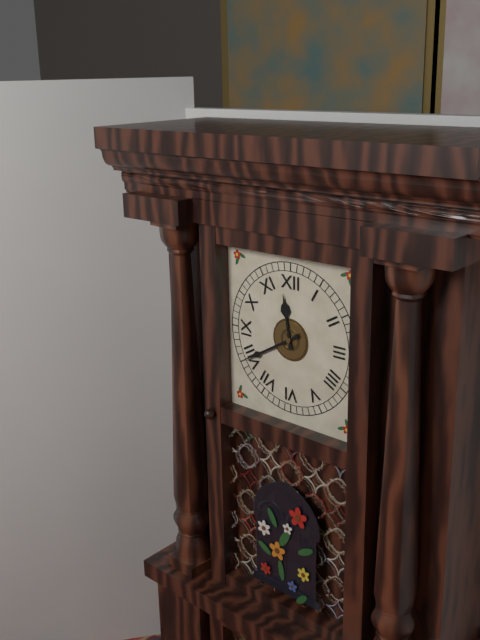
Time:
{"hour": 11, "minute": 40}
